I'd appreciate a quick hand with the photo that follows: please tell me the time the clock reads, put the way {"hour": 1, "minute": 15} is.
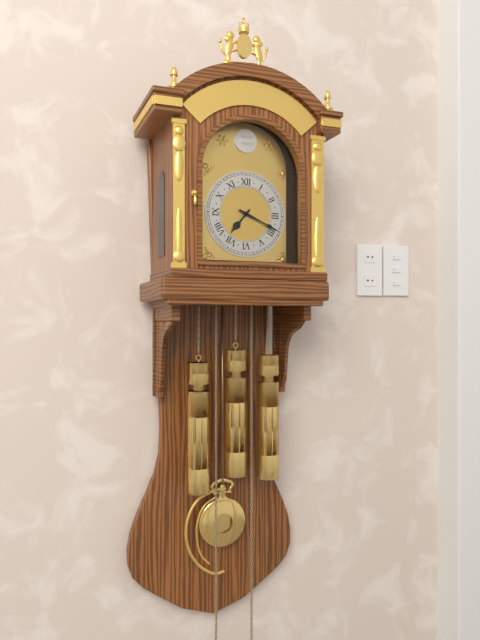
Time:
{"hour": 7, "minute": 19}
